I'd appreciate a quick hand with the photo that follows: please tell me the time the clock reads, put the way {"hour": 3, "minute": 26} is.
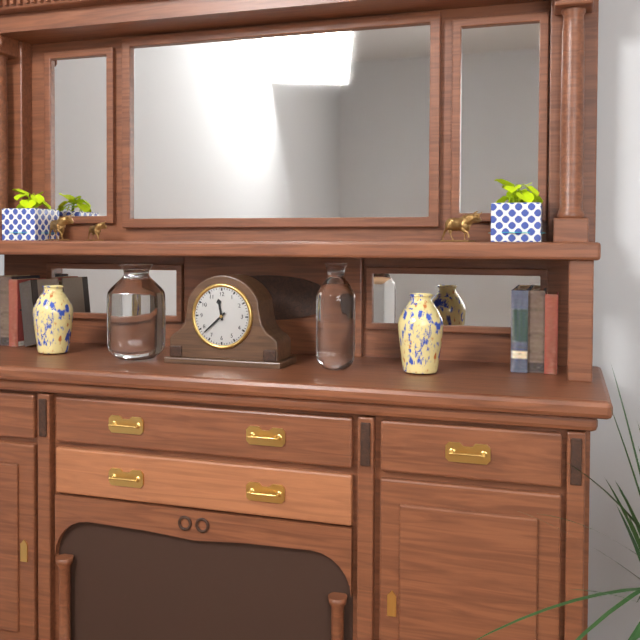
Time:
{"hour": 11, "minute": 38}
